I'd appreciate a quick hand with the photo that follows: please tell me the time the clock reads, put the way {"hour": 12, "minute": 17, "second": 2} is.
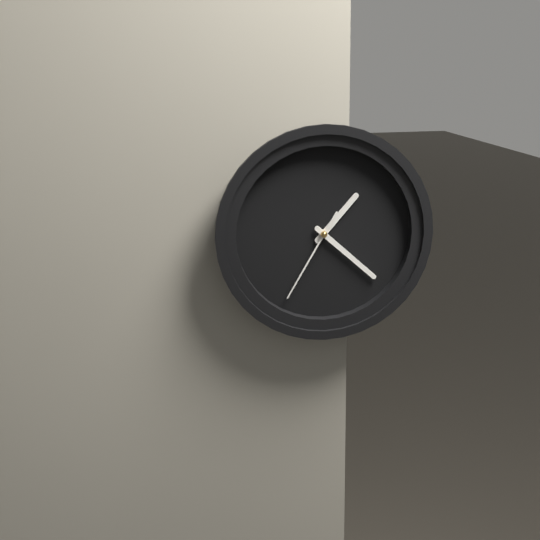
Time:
{"hour": 1, "minute": 22, "second": 35}
